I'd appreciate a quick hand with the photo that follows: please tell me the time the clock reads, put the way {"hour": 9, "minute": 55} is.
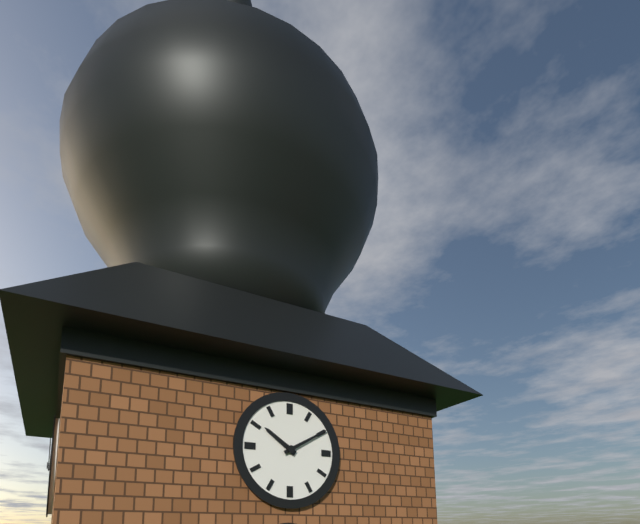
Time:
{"hour": 10, "minute": 10}
